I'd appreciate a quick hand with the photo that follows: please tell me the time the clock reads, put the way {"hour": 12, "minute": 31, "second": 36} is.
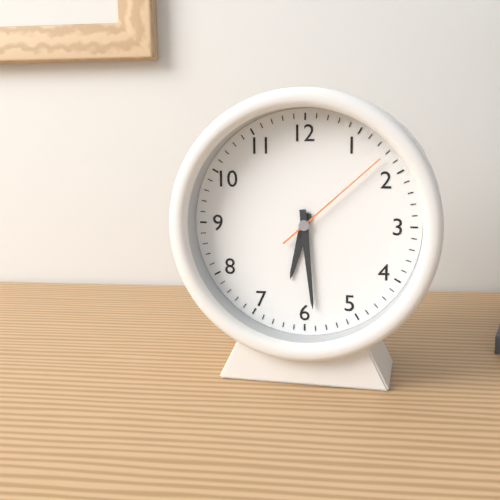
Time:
{"hour": 6, "minute": 29, "second": 8}
